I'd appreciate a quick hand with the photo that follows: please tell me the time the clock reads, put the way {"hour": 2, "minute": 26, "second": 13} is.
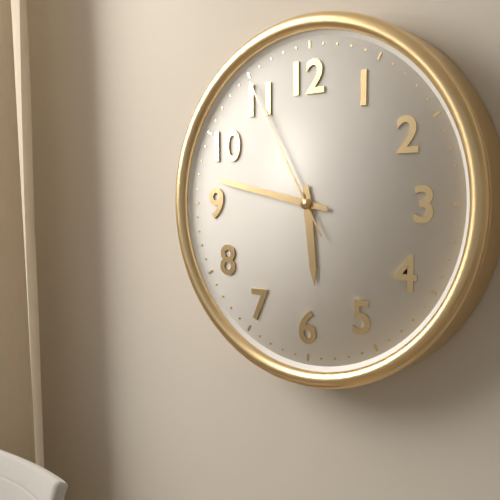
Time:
{"hour": 5, "minute": 47, "second": 55}
